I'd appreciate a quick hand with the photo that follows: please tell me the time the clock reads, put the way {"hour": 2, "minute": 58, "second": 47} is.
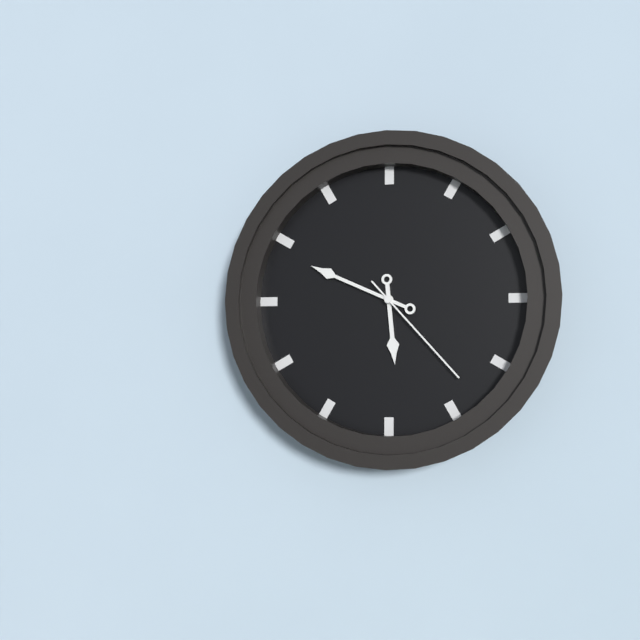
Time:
{"hour": 5, "minute": 49, "second": 23}
